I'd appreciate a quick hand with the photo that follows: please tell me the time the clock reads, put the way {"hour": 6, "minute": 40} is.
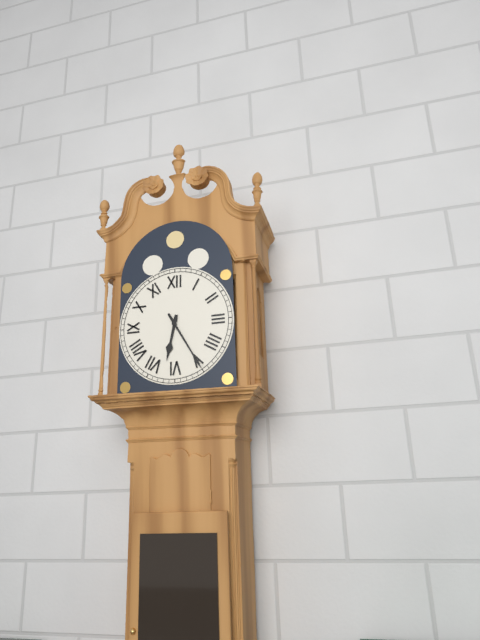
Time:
{"hour": 6, "minute": 25}
